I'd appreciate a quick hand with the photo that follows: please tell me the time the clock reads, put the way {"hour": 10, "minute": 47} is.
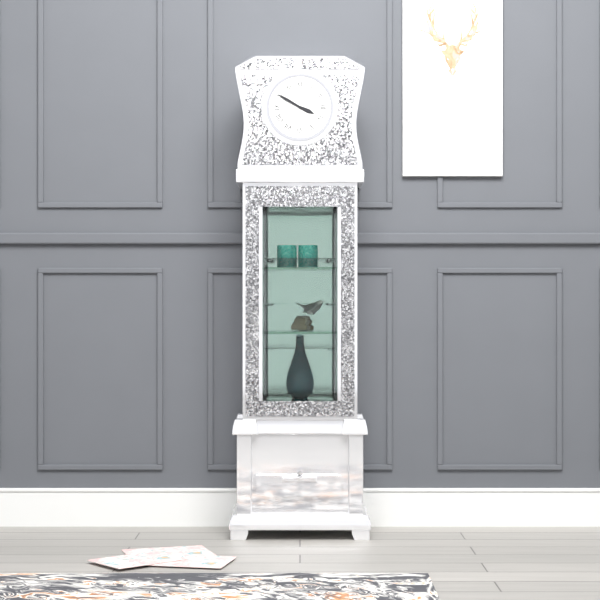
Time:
{"hour": 3, "minute": 50}
